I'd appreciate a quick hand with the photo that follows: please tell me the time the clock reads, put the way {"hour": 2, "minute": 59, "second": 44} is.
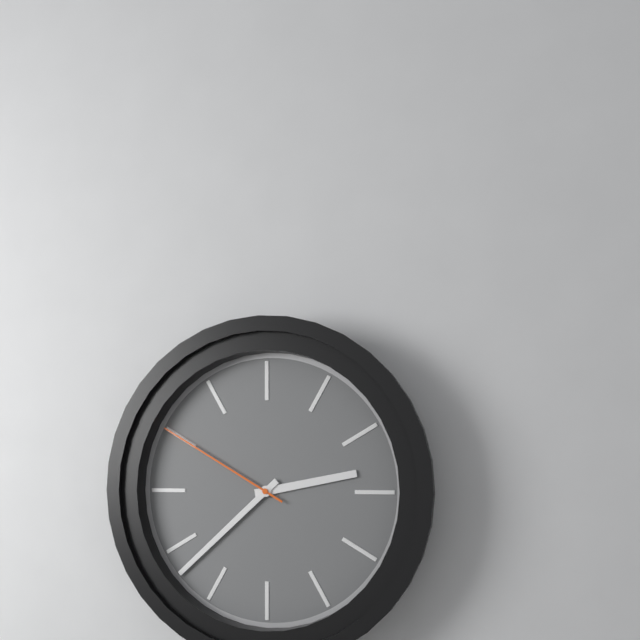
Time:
{"hour": 2, "minute": 38, "second": 50}
